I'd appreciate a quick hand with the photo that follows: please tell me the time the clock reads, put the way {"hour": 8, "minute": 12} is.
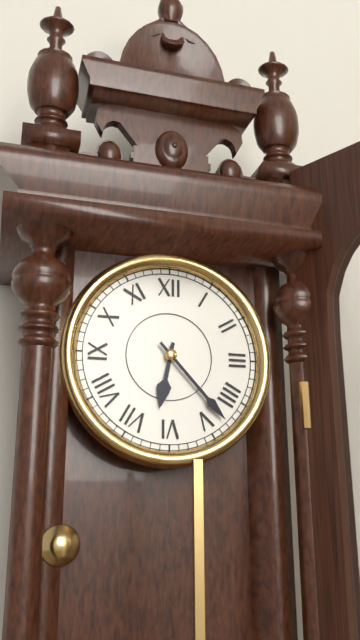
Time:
{"hour": 6, "minute": 23}
